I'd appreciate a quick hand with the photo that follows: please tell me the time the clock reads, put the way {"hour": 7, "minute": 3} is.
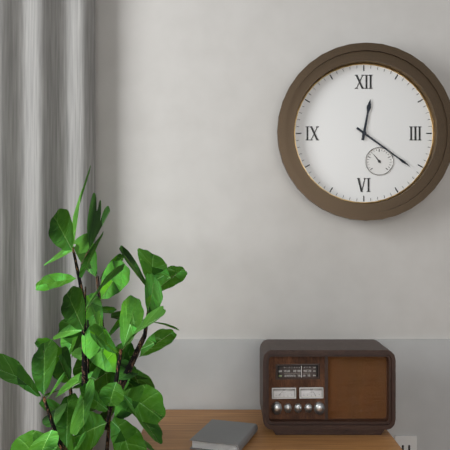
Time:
{"hour": 12, "minute": 21}
